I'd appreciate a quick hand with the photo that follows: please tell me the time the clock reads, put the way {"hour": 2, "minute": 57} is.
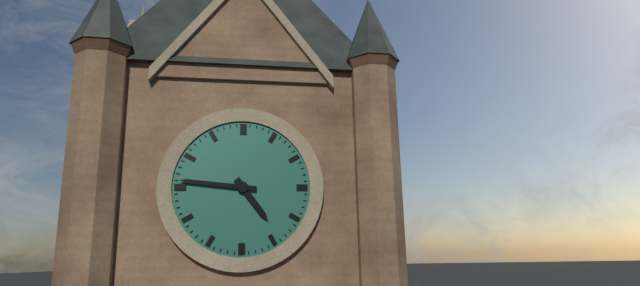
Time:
{"hour": 4, "minute": 46}
